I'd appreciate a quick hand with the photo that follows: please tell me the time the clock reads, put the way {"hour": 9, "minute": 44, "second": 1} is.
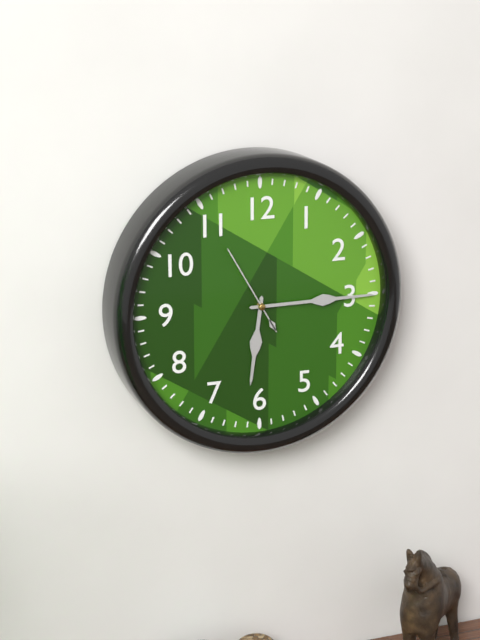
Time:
{"hour": 6, "minute": 15, "second": 55}
